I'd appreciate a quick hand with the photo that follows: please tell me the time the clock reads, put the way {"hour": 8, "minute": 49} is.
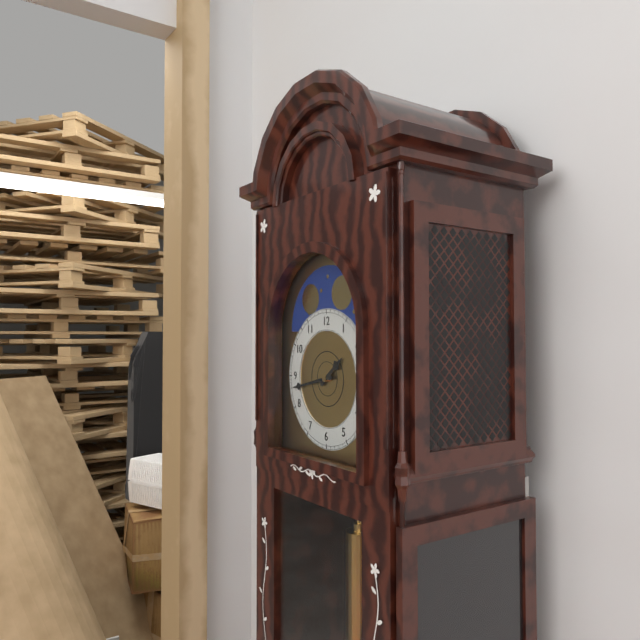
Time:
{"hour": 1, "minute": 43}
